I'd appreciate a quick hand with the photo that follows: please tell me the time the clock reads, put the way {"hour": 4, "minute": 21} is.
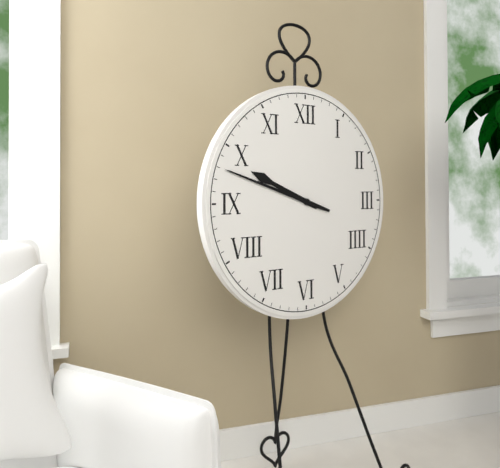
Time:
{"hour": 9, "minute": 48}
